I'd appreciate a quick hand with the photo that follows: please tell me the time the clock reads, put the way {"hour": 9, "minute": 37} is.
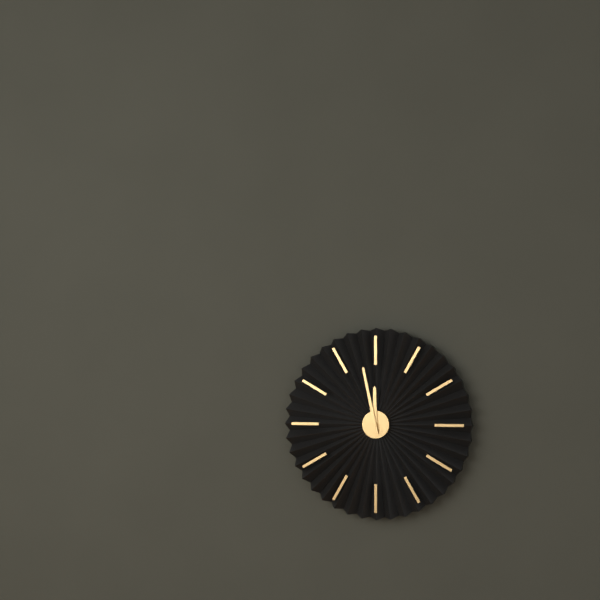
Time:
{"hour": 11, "minute": 58}
